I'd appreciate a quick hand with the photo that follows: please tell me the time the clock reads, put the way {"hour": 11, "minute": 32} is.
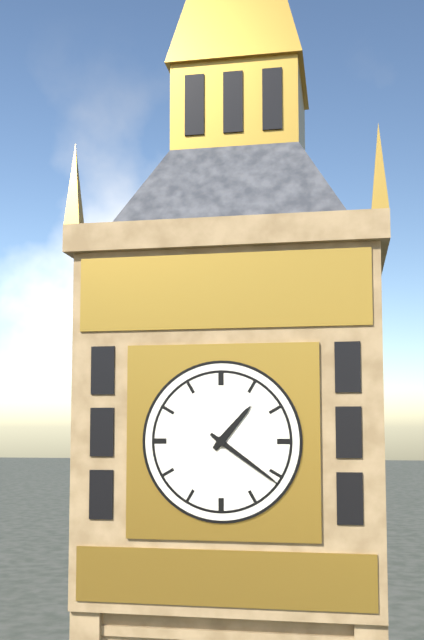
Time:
{"hour": 1, "minute": 21}
